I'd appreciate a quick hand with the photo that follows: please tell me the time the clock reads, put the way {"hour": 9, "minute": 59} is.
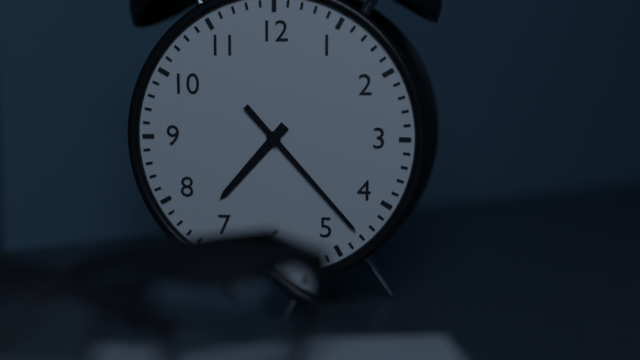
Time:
{"hour": 7, "minute": 23}
